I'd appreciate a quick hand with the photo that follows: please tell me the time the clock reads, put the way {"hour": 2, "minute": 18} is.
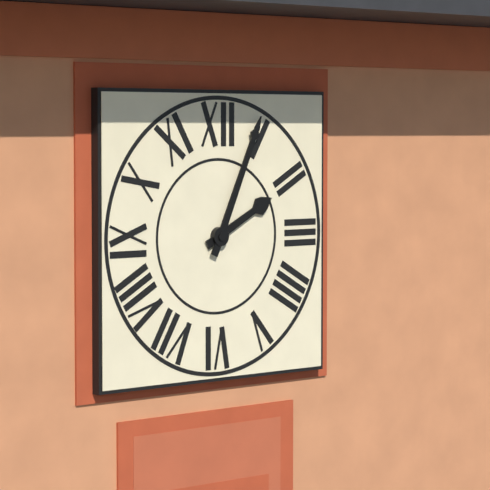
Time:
{"hour": 2, "minute": 4}
